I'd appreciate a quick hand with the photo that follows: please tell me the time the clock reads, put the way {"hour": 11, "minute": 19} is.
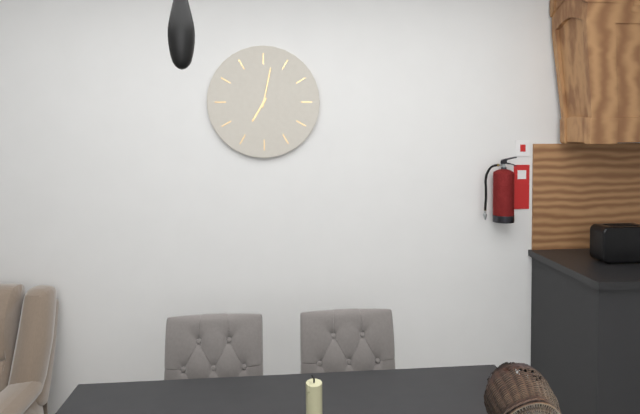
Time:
{"hour": 7, "minute": 2}
